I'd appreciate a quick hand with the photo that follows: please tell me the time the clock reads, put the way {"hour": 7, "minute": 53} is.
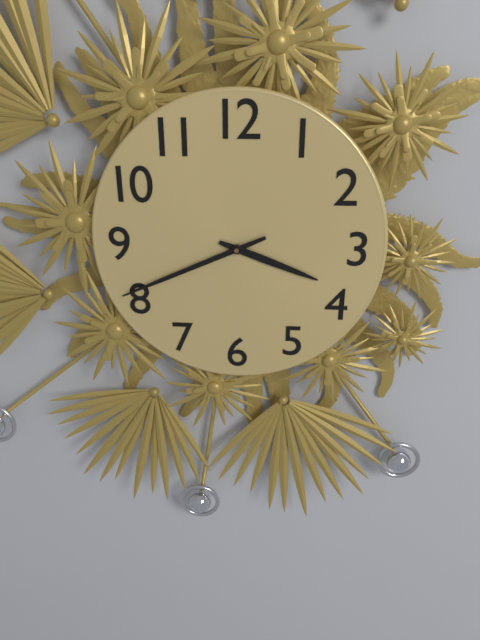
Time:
{"hour": 3, "minute": 41}
